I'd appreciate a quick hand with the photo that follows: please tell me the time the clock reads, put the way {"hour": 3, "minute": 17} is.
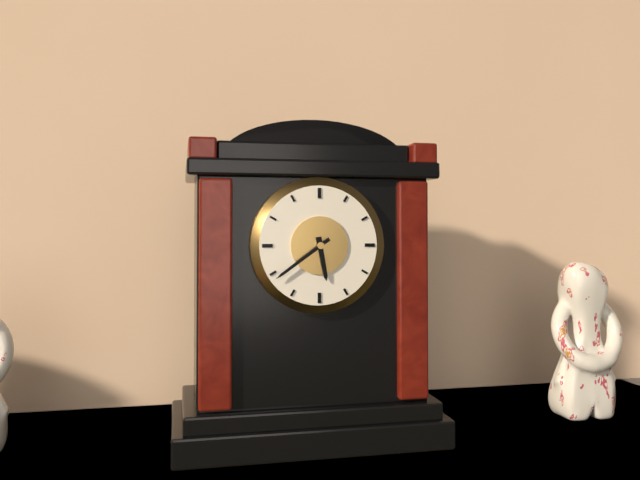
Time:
{"hour": 5, "minute": 39}
